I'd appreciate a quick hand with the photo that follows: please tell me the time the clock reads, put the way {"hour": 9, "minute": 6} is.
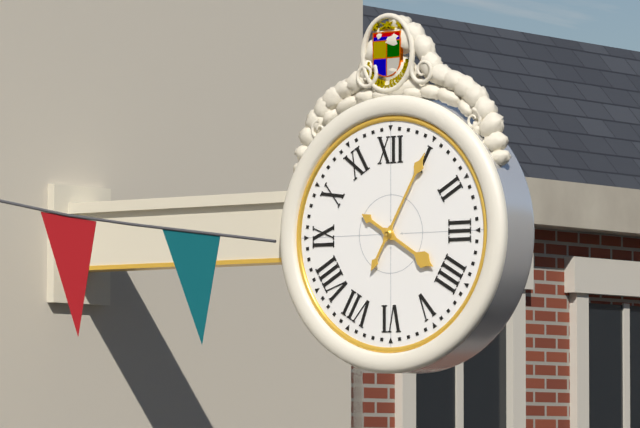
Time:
{"hour": 4, "minute": 5}
